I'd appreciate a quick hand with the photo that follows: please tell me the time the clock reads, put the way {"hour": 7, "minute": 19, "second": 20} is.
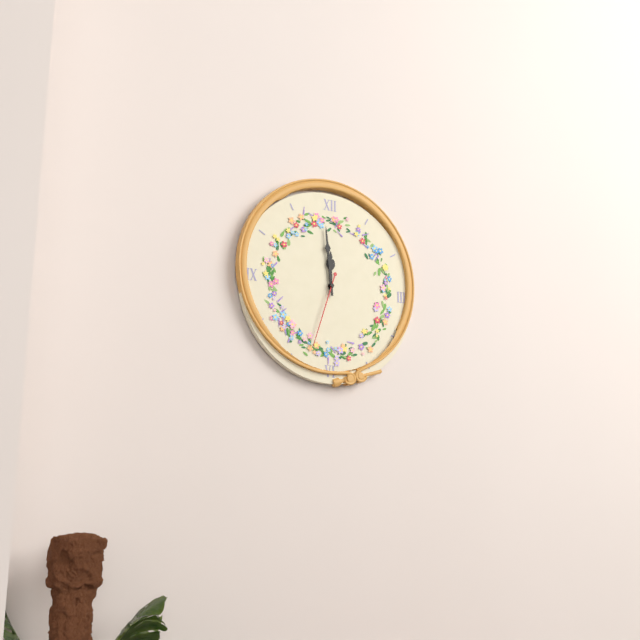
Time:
{"hour": 11, "minute": 59, "second": 33}
